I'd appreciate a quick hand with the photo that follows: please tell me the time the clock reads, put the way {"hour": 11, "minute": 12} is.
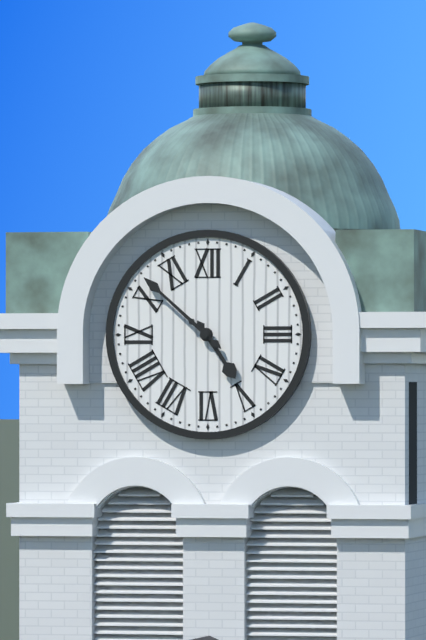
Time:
{"hour": 4, "minute": 52}
